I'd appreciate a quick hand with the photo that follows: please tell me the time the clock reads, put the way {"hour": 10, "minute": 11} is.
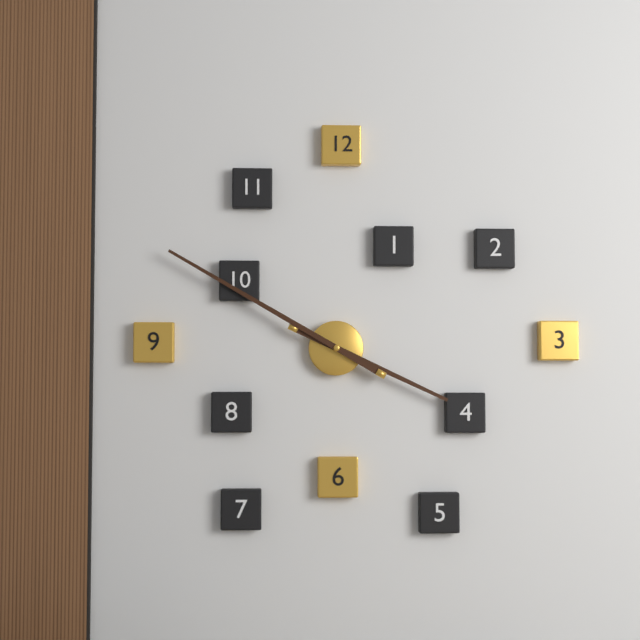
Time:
{"hour": 3, "minute": 50}
